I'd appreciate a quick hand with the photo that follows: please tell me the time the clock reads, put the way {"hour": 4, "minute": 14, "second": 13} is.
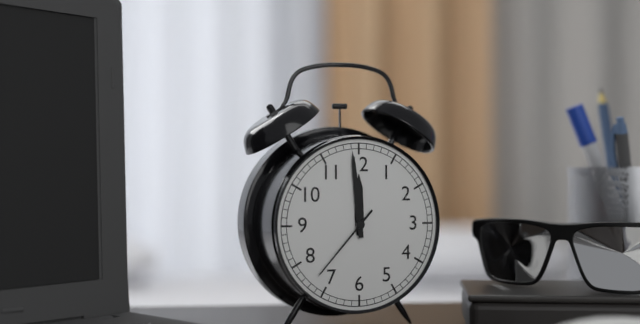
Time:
{"hour": 11, "minute": 59, "second": 37}
